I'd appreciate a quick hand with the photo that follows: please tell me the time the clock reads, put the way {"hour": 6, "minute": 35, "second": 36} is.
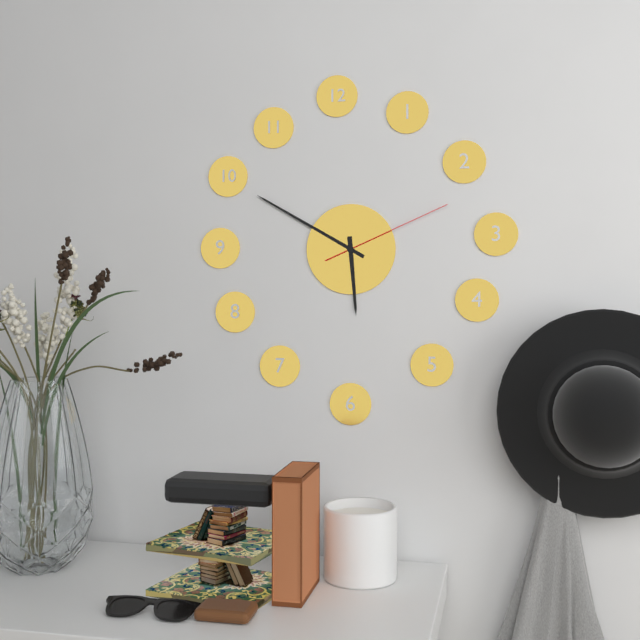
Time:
{"hour": 5, "minute": 50, "second": 11}
